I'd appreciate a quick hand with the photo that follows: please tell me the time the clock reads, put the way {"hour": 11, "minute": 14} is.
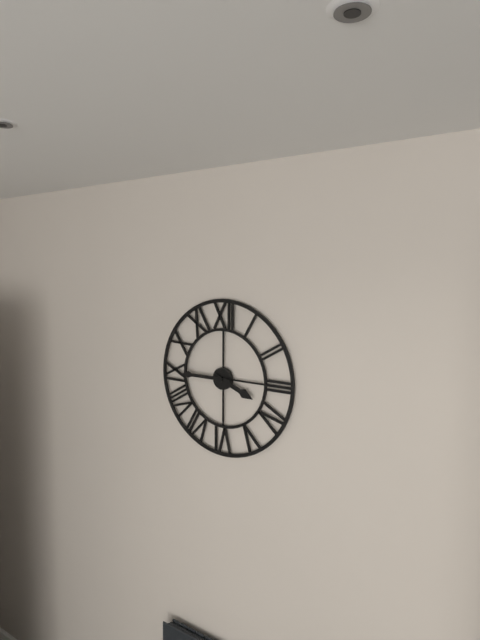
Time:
{"hour": 3, "minute": 45}
